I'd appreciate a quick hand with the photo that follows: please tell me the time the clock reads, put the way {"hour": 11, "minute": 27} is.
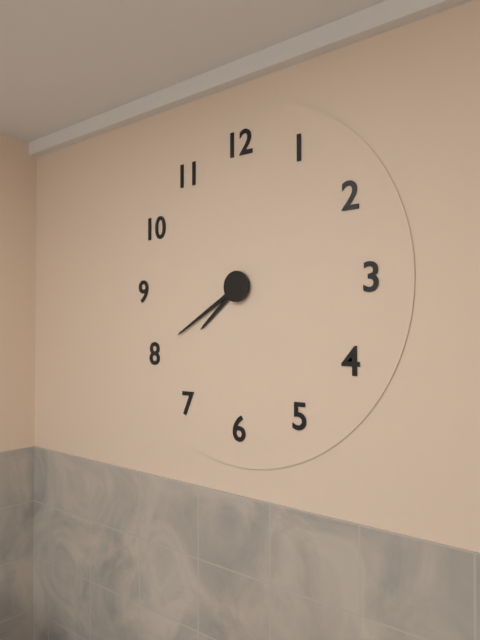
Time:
{"hour": 7, "minute": 40}
